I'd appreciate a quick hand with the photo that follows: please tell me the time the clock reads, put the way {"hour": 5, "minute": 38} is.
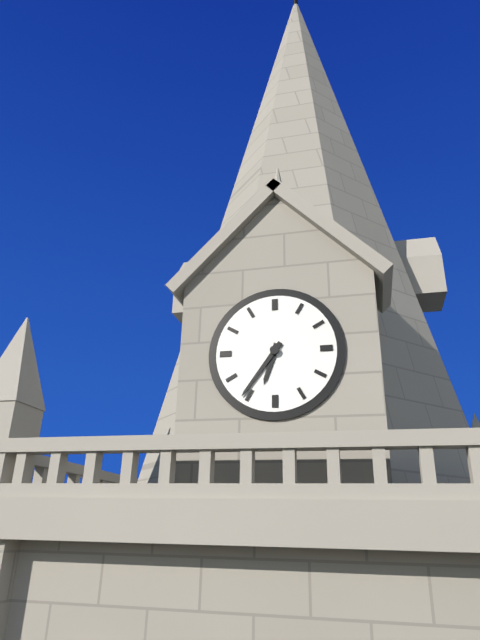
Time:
{"hour": 6, "minute": 36}
